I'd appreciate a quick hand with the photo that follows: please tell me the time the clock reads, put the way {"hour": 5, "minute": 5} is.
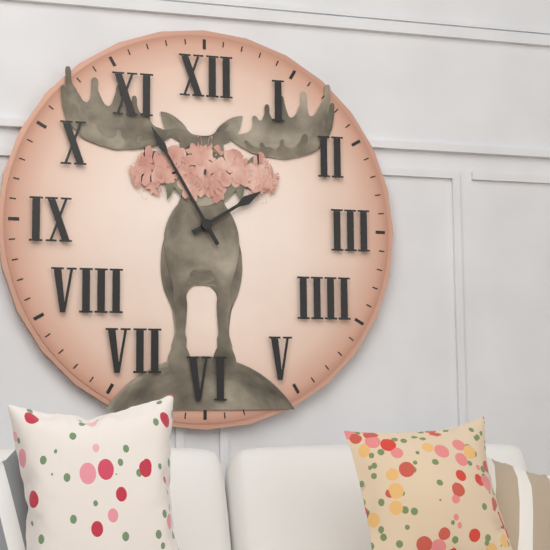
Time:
{"hour": 1, "minute": 55}
